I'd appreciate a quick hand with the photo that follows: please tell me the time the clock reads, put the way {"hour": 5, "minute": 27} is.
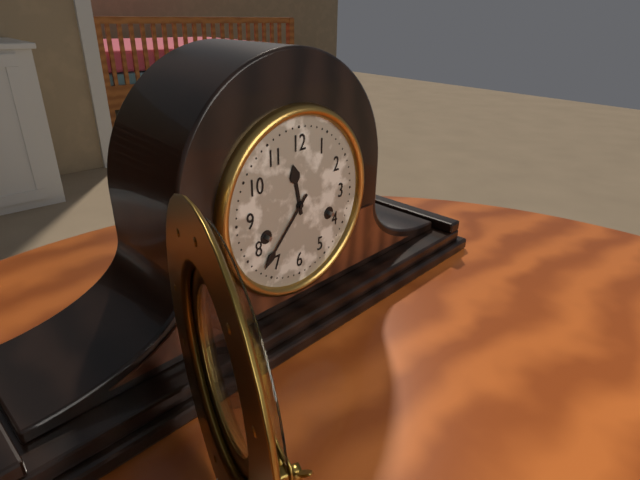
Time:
{"hour": 11, "minute": 37}
